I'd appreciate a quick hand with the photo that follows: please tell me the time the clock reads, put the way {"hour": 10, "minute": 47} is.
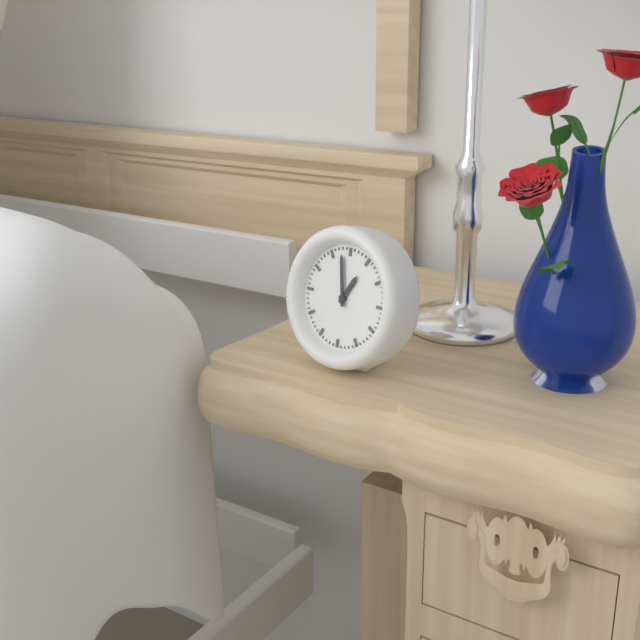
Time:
{"hour": 12, "minute": 58}
